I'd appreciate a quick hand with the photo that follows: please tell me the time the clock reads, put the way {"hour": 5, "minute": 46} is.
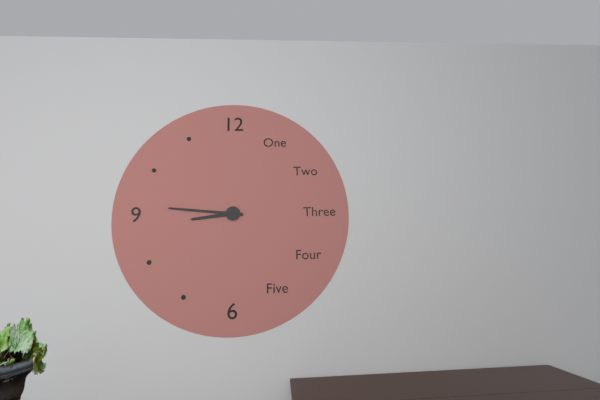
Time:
{"hour": 8, "minute": 46}
